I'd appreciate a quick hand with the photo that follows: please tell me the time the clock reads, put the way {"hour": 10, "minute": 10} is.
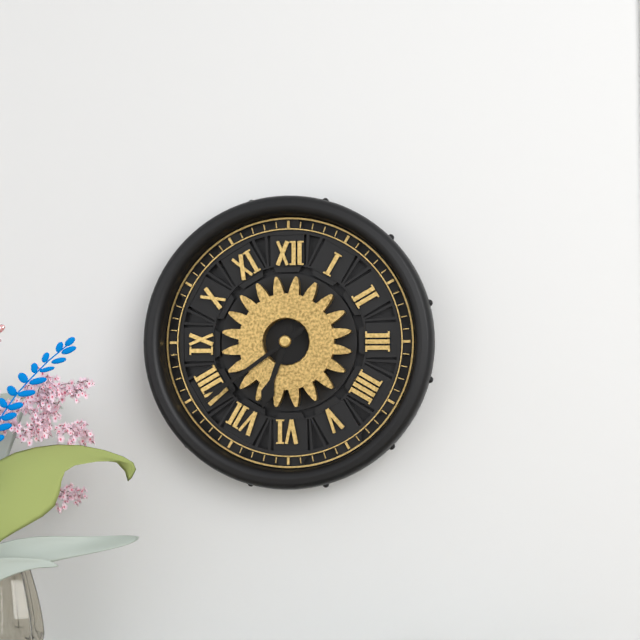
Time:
{"hour": 6, "minute": 39}
